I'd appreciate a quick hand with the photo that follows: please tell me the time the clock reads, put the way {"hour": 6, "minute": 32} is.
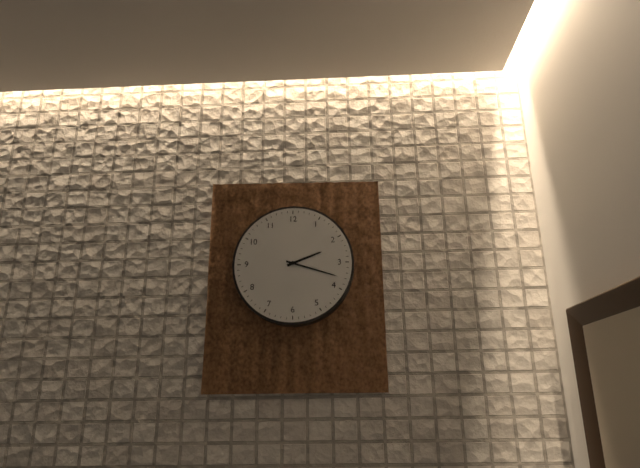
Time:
{"hour": 2, "minute": 18}
